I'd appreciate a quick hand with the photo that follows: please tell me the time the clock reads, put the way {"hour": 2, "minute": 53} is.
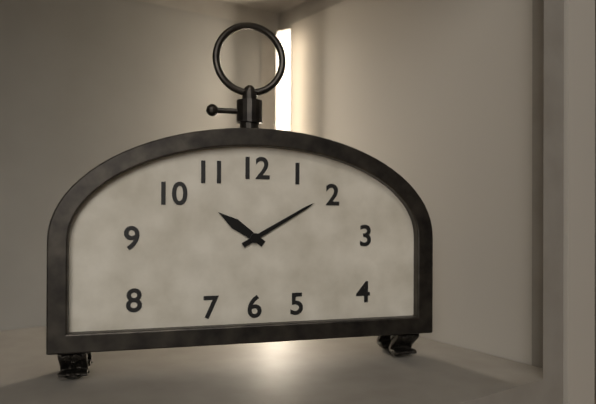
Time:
{"hour": 10, "minute": 10}
